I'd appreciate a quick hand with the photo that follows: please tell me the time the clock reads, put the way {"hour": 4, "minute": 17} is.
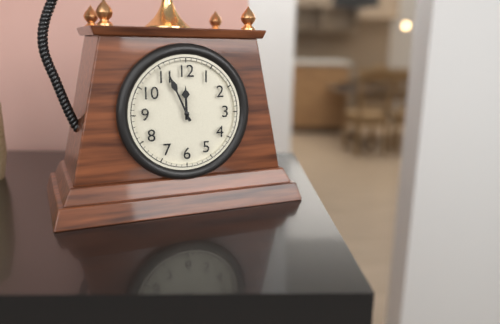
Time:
{"hour": 11, "minute": 56}
